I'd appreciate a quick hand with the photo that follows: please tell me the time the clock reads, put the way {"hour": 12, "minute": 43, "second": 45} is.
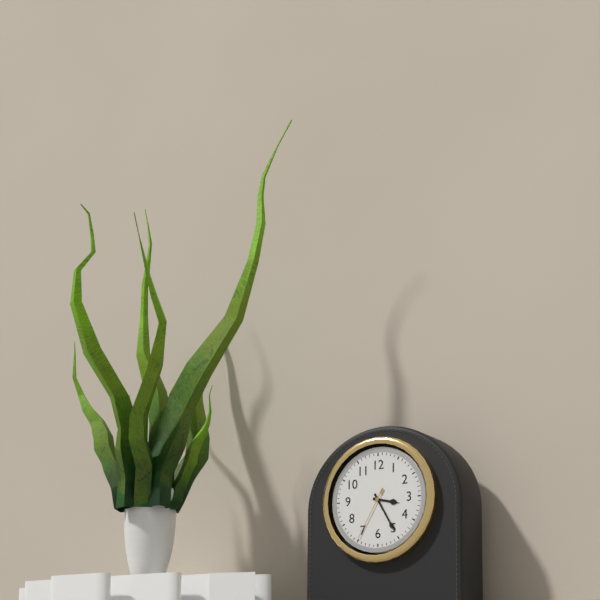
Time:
{"hour": 3, "minute": 25, "second": 35}
